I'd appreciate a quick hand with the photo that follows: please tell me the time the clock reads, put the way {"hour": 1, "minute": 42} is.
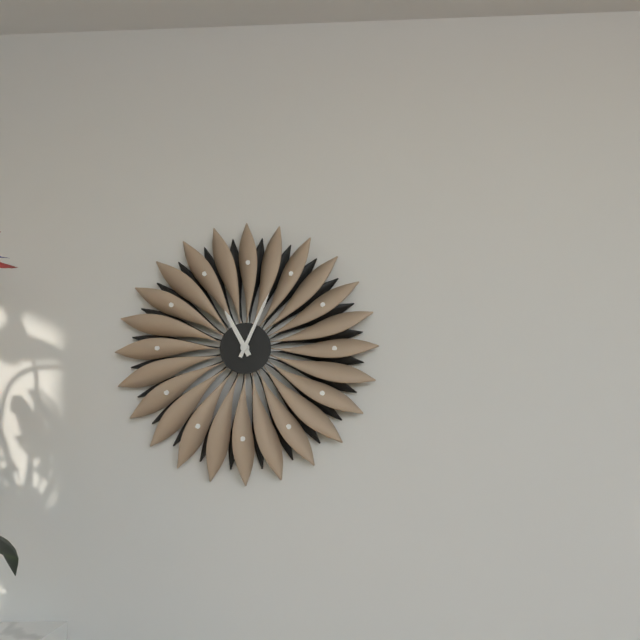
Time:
{"hour": 11, "minute": 4}
